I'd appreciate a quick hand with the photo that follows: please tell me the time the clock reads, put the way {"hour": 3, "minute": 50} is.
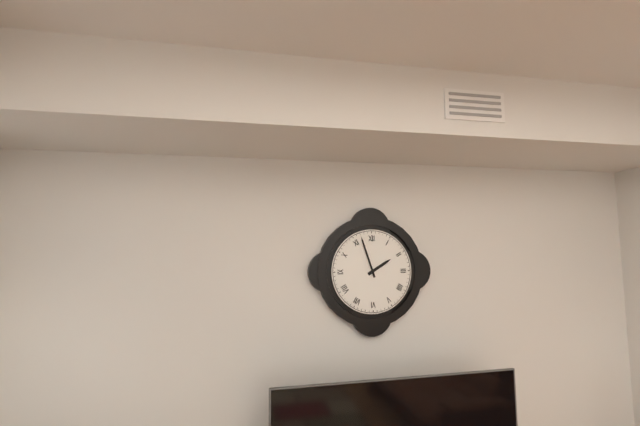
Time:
{"hour": 1, "minute": 57}
